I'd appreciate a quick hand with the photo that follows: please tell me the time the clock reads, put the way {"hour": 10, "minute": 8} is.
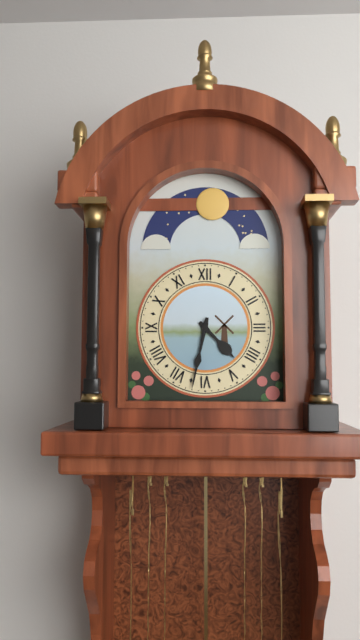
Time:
{"hour": 4, "minute": 32}
